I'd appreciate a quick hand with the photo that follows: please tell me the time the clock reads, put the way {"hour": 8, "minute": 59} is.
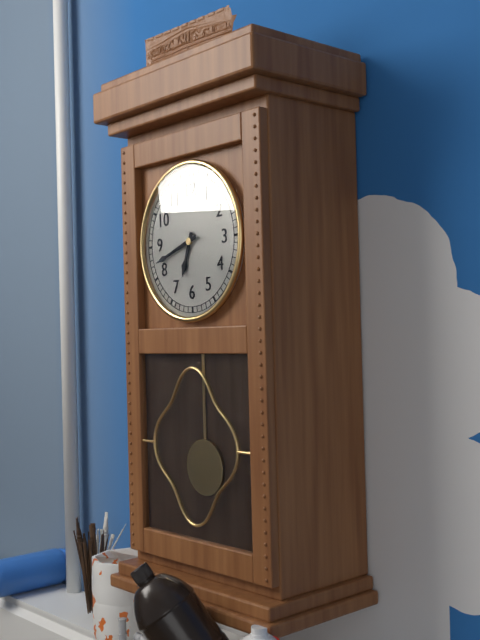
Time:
{"hour": 6, "minute": 42}
